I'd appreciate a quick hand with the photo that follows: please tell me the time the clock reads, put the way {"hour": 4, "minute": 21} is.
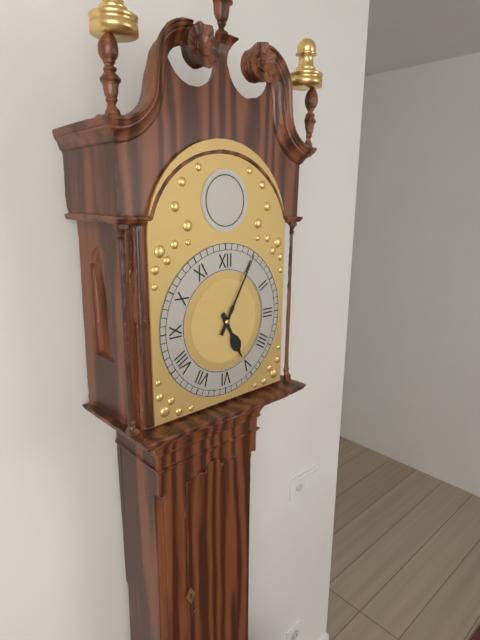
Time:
{"hour": 5, "minute": 5}
